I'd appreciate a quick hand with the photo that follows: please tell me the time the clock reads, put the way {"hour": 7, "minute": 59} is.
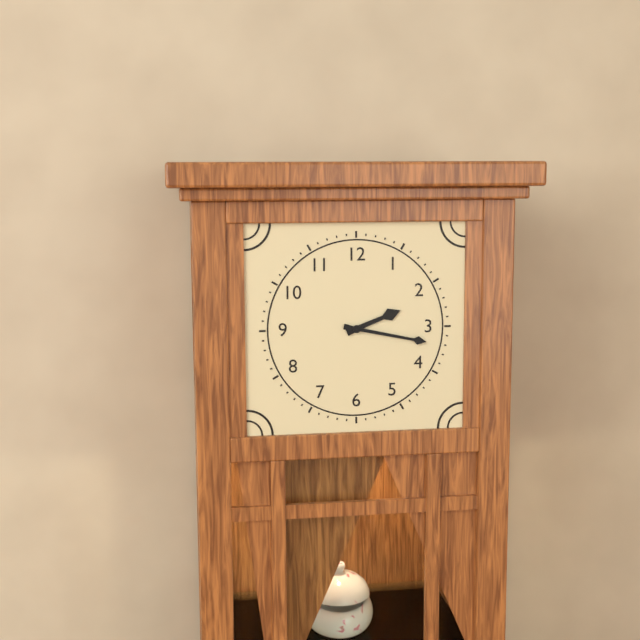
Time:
{"hour": 2, "minute": 17}
